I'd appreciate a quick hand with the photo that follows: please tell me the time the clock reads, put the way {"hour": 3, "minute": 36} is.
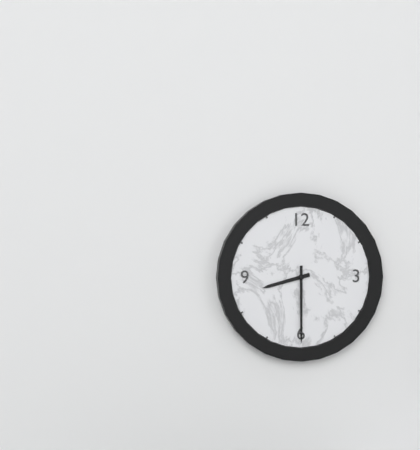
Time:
{"hour": 8, "minute": 30}
